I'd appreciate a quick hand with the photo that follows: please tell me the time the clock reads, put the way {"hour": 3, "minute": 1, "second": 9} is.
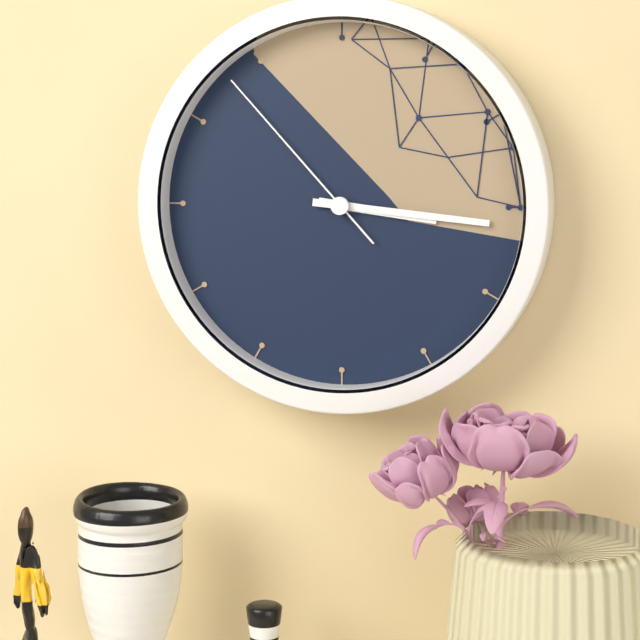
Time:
{"hour": 3, "minute": 16, "second": 53}
